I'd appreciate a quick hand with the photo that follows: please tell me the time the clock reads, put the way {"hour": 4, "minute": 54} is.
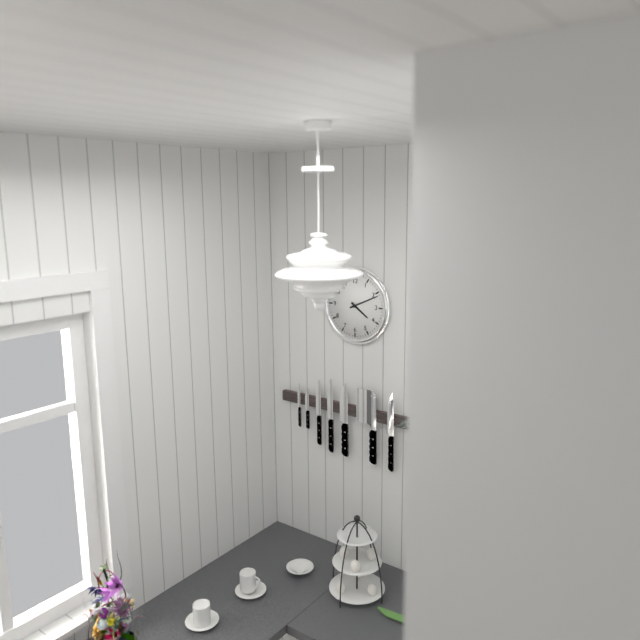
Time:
{"hour": 4, "minute": 11}
